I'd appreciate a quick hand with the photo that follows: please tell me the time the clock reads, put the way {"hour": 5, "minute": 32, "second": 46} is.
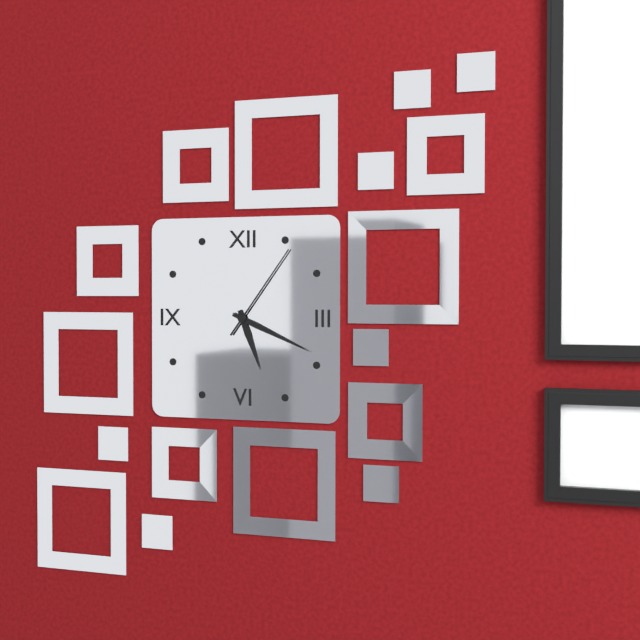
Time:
{"hour": 5, "minute": 19, "second": 6}
